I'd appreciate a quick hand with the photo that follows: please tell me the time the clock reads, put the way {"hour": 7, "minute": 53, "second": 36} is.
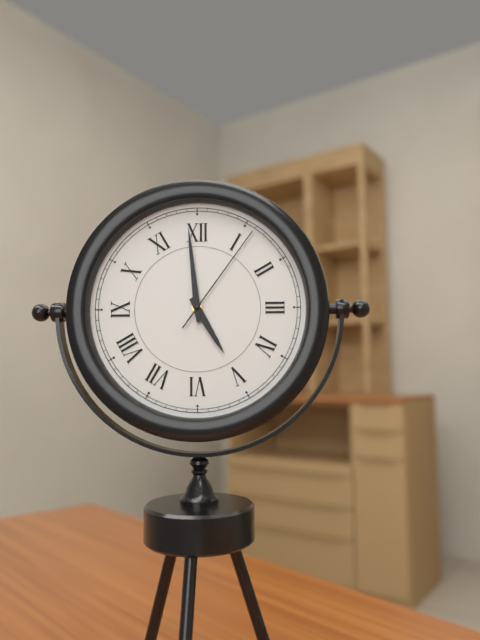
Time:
{"hour": 4, "minute": 59, "second": 6}
